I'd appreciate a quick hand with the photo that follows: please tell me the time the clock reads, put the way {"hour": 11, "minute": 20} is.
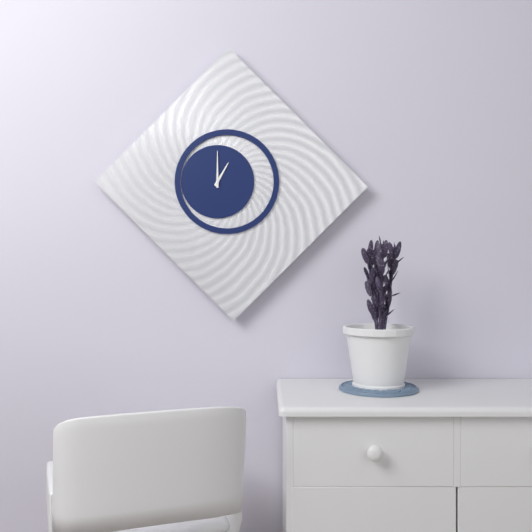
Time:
{"hour": 1, "minute": 0}
